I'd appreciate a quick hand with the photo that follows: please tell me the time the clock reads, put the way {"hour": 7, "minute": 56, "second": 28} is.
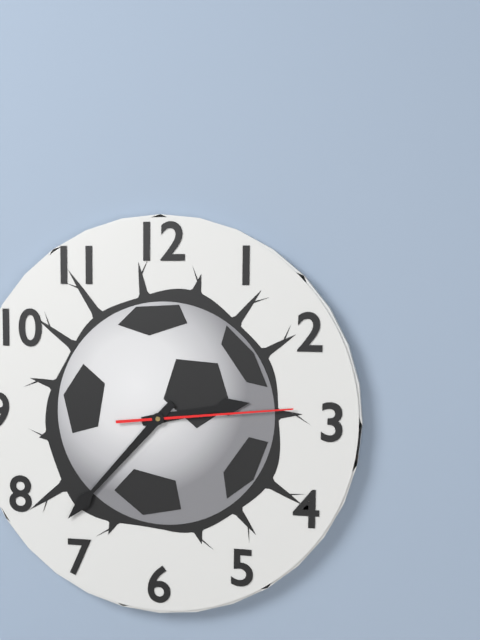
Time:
{"hour": 2, "minute": 37, "second": 14}
